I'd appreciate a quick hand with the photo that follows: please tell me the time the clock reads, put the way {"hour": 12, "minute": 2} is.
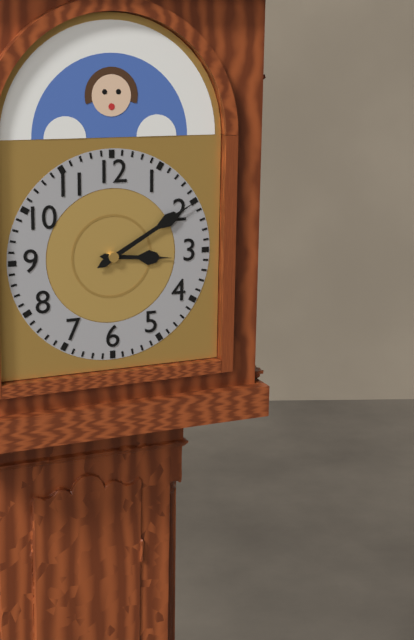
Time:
{"hour": 3, "minute": 10}
